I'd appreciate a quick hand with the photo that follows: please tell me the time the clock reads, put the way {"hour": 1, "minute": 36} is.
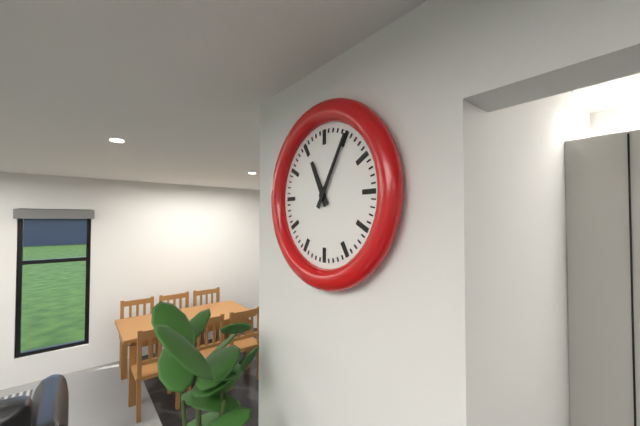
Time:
{"hour": 11, "minute": 5}
